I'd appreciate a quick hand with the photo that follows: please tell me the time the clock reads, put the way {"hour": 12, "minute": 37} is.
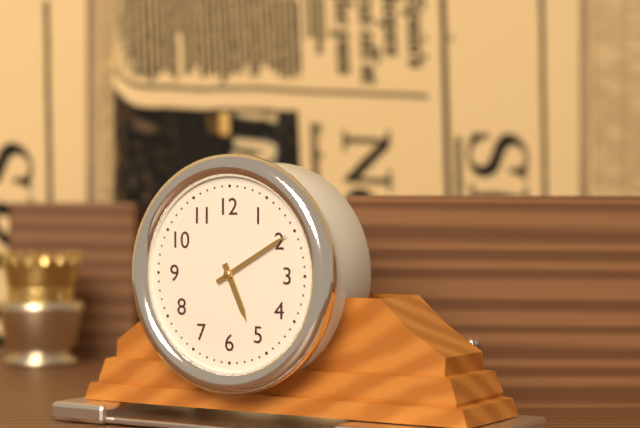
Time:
{"hour": 5, "minute": 10}
